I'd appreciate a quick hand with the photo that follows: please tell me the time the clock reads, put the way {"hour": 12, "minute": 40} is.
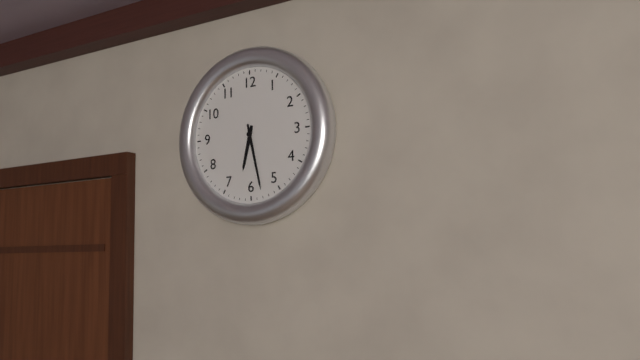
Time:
{"hour": 6, "minute": 28}
